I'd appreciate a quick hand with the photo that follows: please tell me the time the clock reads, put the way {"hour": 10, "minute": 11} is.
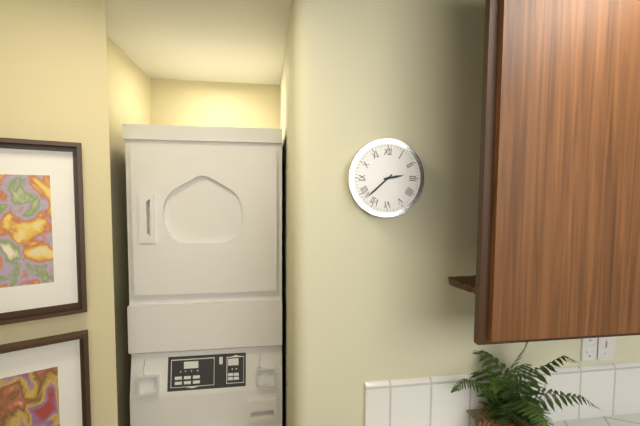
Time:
{"hour": 2, "minute": 38}
